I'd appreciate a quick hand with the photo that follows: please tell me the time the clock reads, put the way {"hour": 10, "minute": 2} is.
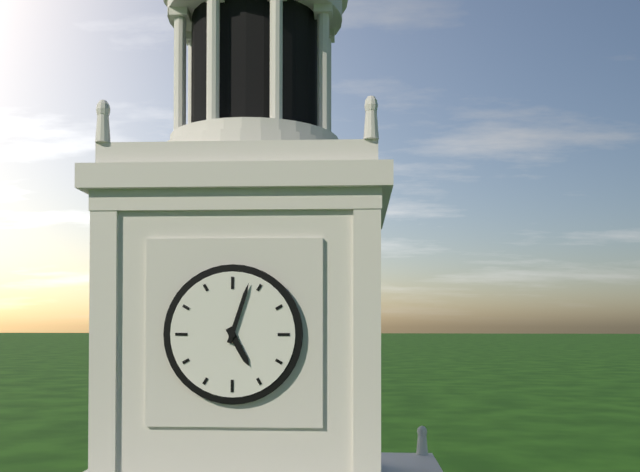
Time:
{"hour": 5, "minute": 3}
